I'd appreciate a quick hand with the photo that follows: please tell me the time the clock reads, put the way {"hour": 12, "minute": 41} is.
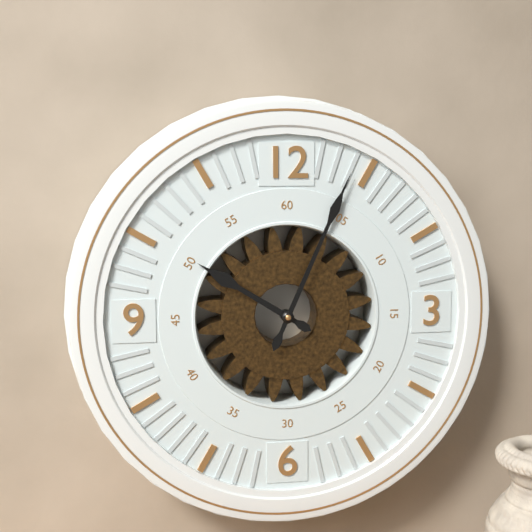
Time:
{"hour": 10, "minute": 4}
